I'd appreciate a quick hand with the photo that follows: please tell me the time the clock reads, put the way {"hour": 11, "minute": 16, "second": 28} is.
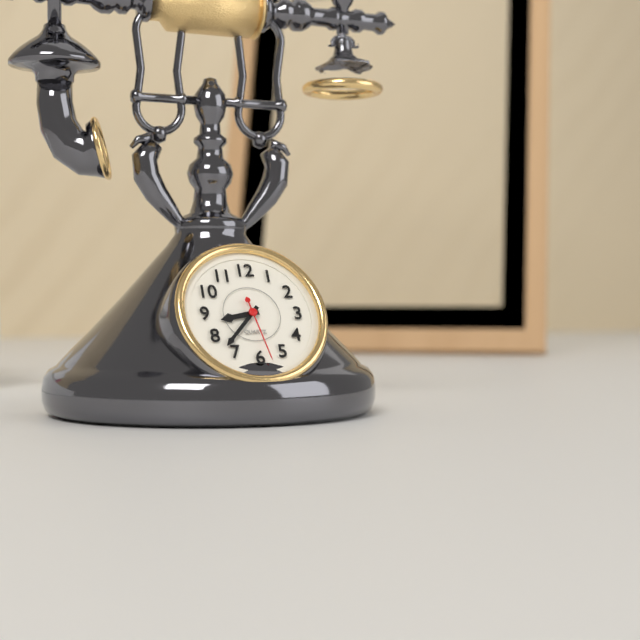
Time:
{"hour": 8, "minute": 37, "second": 28}
